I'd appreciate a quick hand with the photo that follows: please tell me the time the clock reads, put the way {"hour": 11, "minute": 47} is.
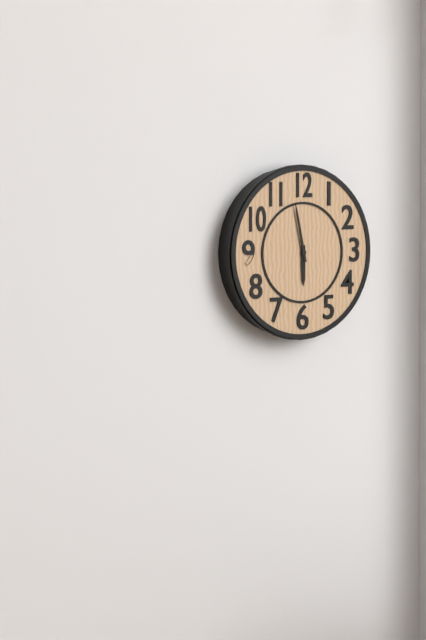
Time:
{"hour": 5, "minute": 58}
